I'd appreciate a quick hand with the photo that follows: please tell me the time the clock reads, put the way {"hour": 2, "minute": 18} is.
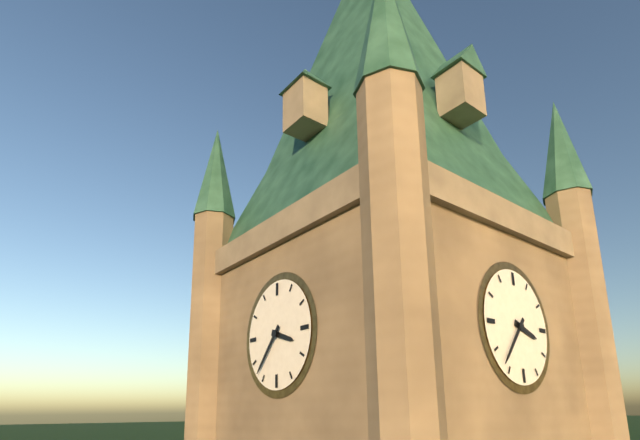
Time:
{"hour": 3, "minute": 37}
